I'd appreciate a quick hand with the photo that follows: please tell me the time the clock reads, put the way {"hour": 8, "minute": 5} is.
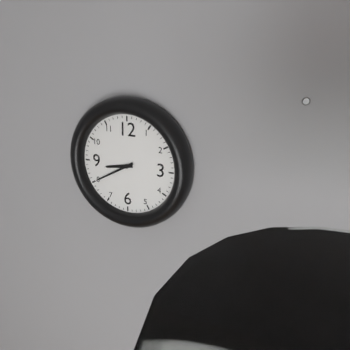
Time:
{"hour": 8, "minute": 40}
